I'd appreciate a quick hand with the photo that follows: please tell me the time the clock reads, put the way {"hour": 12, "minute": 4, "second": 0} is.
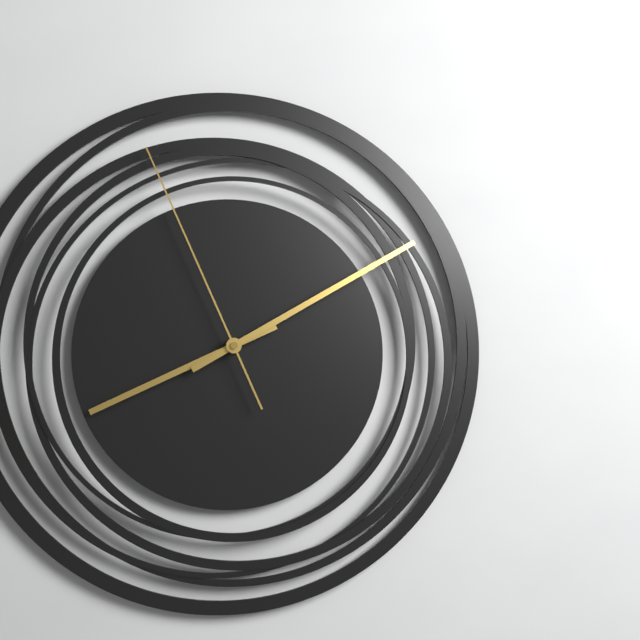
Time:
{"hour": 8, "minute": 10, "second": 56}
